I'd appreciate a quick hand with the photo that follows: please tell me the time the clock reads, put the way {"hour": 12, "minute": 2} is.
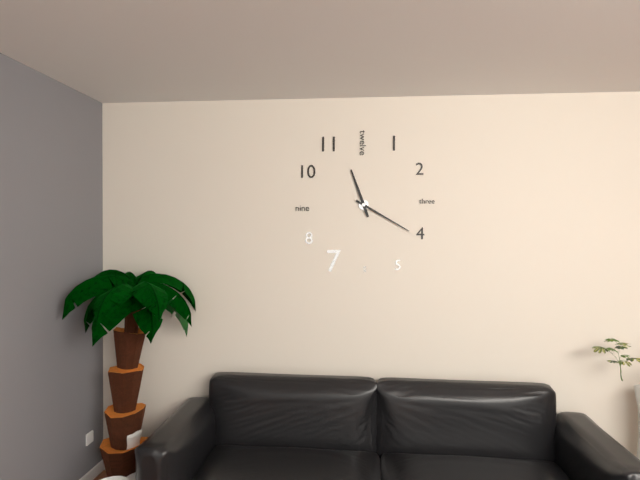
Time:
{"hour": 11, "minute": 20}
